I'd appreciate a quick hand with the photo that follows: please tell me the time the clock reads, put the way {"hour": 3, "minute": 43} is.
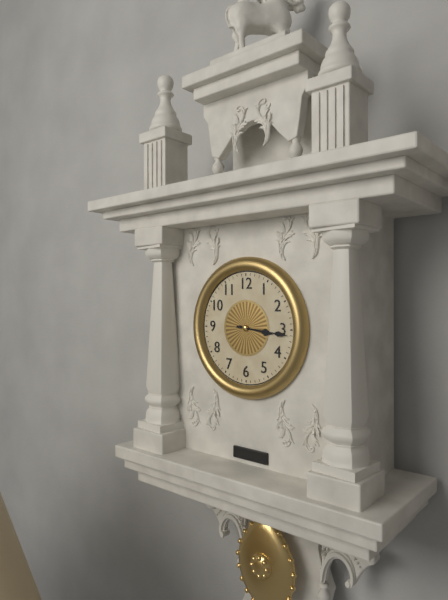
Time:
{"hour": 3, "minute": 16}
